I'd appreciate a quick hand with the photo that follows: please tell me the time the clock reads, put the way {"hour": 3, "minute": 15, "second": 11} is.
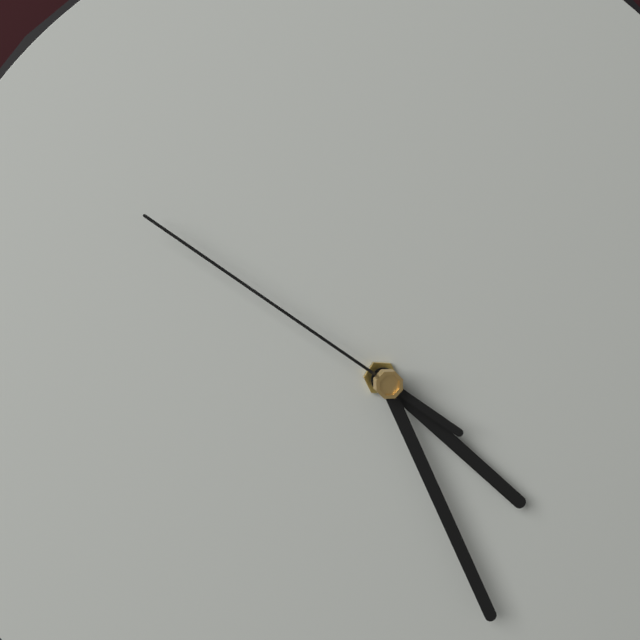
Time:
{"hour": 4, "minute": 26, "second": 51}
